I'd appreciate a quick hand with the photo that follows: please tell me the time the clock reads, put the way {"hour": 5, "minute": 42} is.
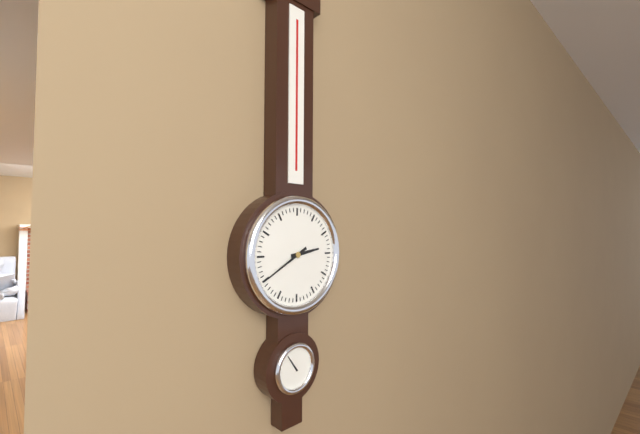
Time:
{"hour": 2, "minute": 40}
